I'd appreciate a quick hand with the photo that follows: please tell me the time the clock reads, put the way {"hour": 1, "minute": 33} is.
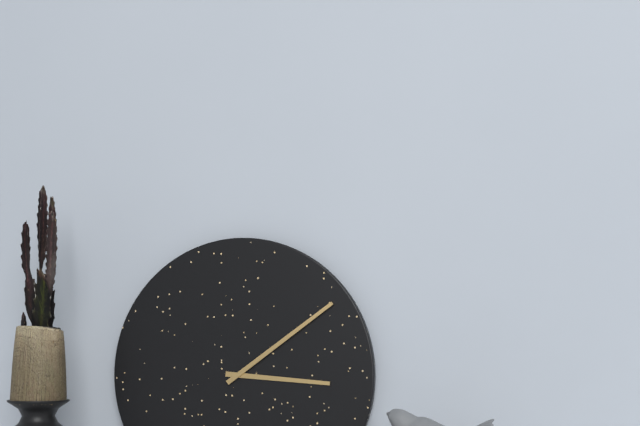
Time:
{"hour": 3, "minute": 9}
